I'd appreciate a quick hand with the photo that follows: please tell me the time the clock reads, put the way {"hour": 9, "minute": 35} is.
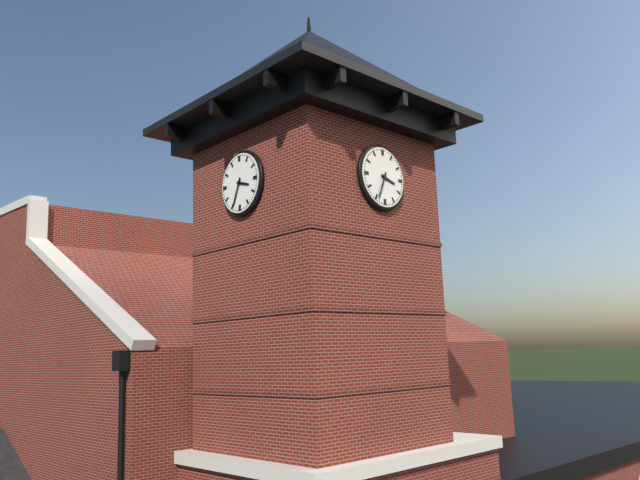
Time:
{"hour": 3, "minute": 34}
